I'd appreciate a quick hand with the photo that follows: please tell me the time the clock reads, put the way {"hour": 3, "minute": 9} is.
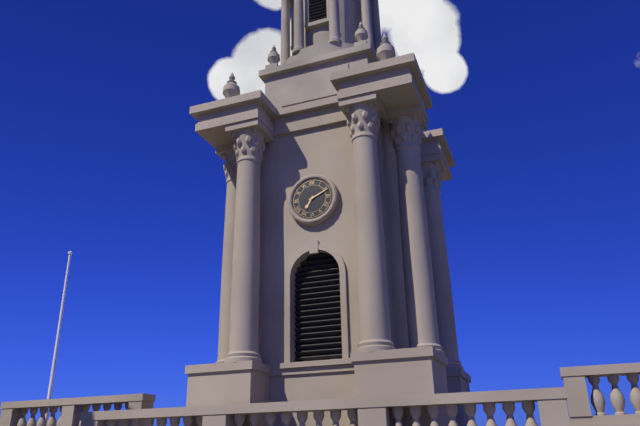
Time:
{"hour": 7, "minute": 11}
